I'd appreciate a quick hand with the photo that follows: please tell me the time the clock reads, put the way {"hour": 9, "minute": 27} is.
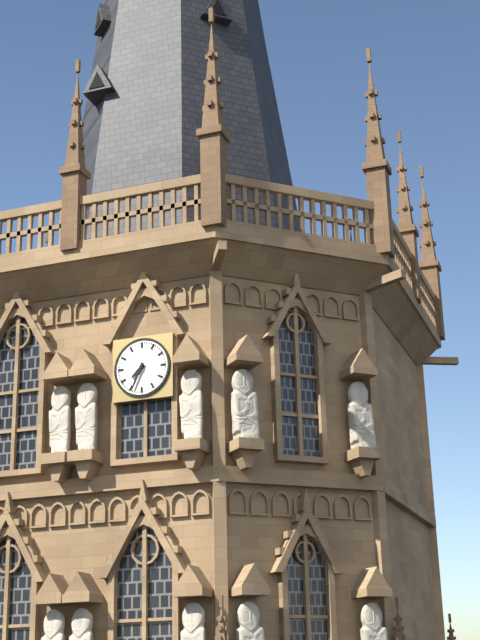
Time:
{"hour": 7, "minute": 34}
